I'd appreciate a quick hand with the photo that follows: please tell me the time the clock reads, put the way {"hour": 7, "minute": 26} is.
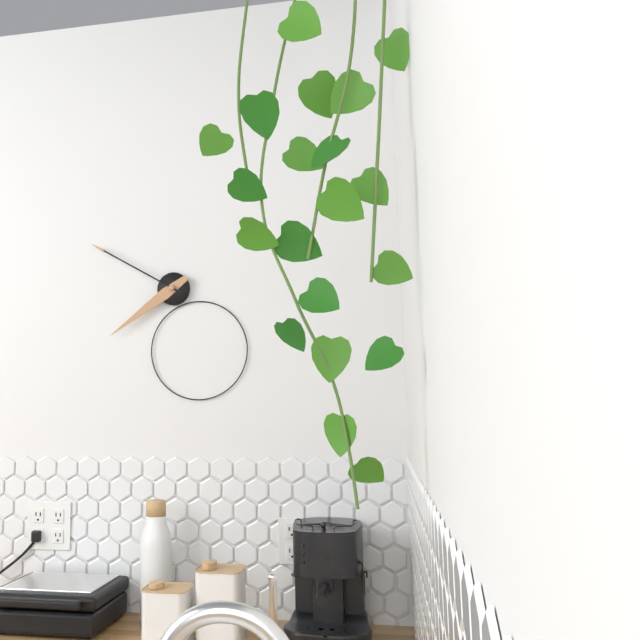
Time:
{"hour": 7, "minute": 50}
